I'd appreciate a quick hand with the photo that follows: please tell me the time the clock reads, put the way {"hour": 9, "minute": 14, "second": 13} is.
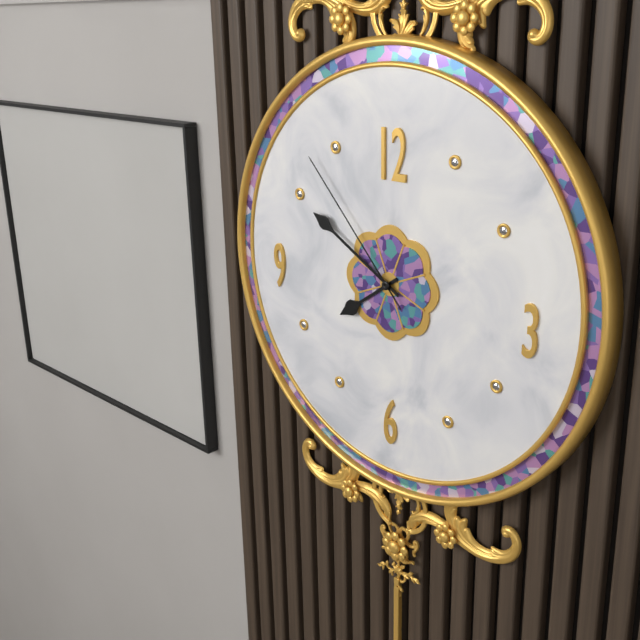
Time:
{"hour": 7, "minute": 50, "second": 53}
